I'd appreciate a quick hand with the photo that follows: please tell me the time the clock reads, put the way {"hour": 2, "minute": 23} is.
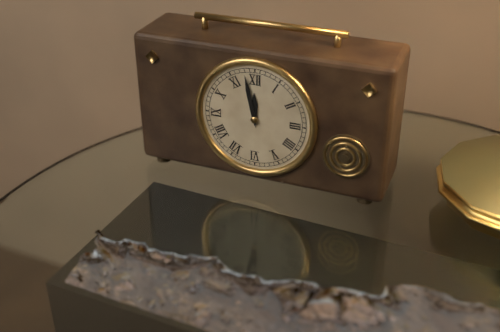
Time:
{"hour": 11, "minute": 58}
